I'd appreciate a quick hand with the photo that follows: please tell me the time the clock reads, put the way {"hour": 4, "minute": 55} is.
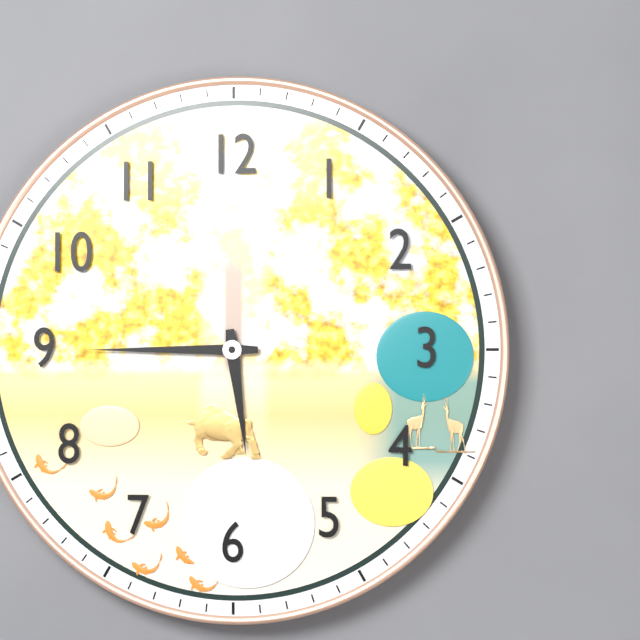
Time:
{"hour": 5, "minute": 45}
